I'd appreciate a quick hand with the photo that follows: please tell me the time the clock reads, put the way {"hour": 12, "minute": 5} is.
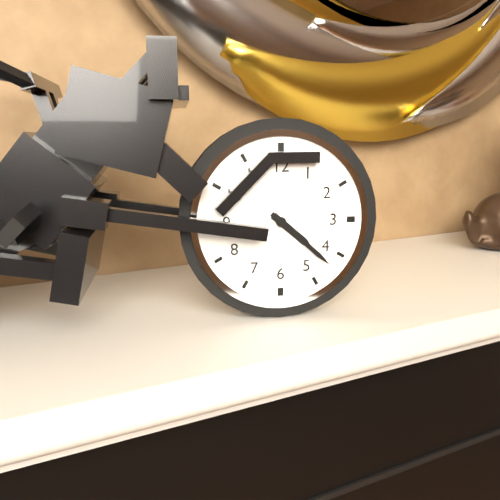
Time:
{"hour": 4, "minute": 22}
